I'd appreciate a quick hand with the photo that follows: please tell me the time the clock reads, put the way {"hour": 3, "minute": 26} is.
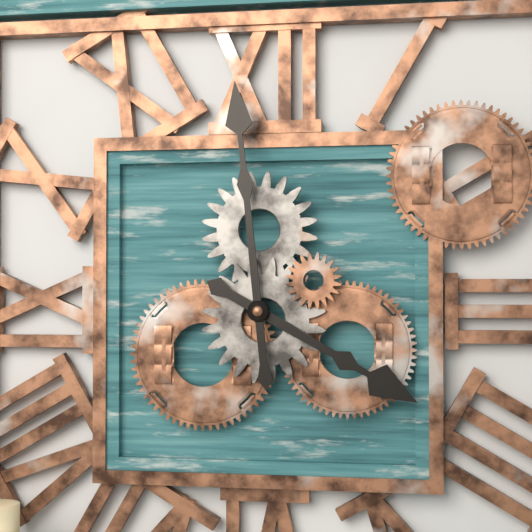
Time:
{"hour": 3, "minute": 59}
